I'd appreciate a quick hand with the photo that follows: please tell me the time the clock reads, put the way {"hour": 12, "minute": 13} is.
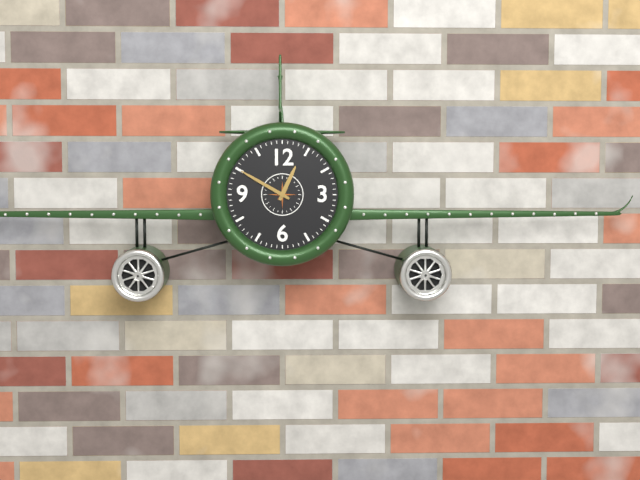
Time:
{"hour": 12, "minute": 50}
